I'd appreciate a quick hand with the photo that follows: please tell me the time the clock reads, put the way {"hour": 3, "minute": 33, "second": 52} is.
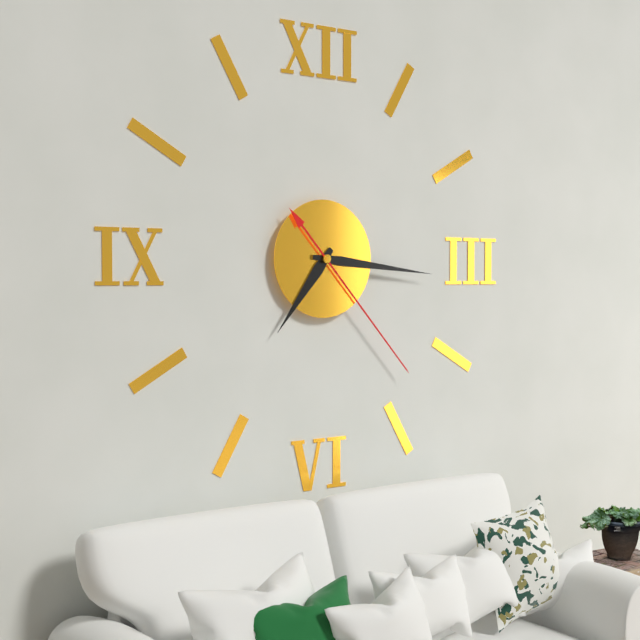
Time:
{"hour": 7, "minute": 16, "second": 23}
